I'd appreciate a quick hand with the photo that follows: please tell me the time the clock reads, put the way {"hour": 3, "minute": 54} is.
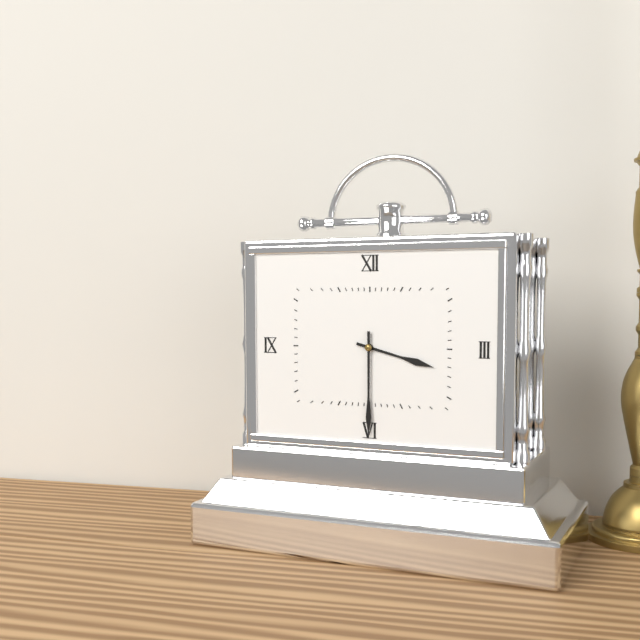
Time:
{"hour": 3, "minute": 30}
